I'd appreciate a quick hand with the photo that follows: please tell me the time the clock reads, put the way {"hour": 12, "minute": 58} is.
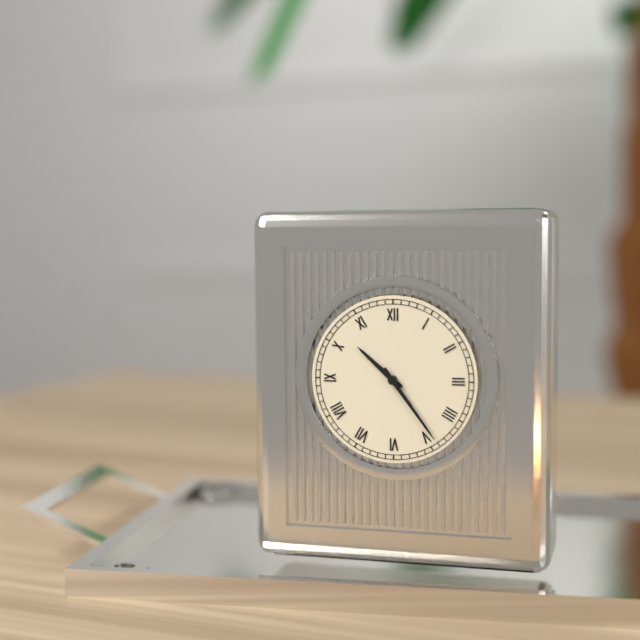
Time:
{"hour": 10, "minute": 24}
